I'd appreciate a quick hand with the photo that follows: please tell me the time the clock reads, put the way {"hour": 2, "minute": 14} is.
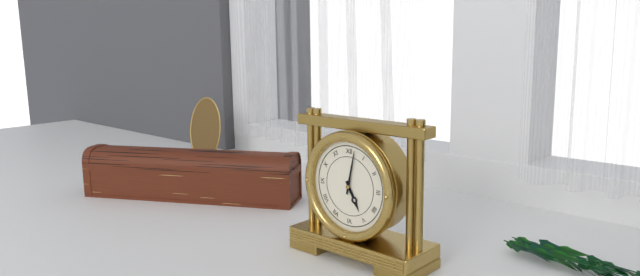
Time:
{"hour": 5, "minute": 2}
